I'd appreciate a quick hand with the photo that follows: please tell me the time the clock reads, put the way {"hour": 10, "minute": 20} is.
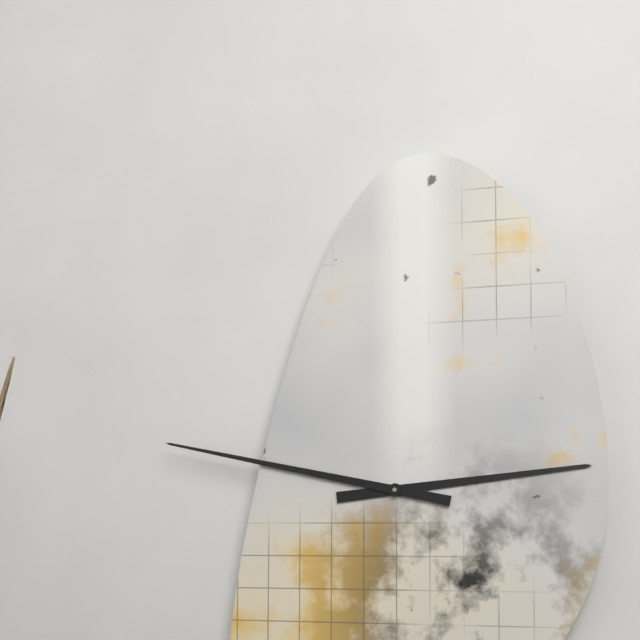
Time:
{"hour": 2, "minute": 47}
